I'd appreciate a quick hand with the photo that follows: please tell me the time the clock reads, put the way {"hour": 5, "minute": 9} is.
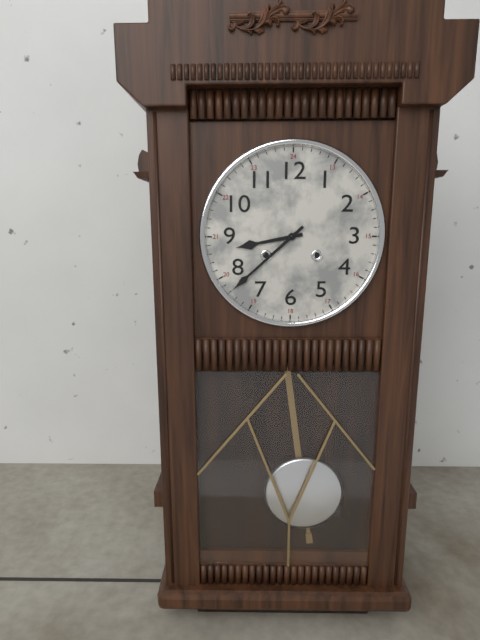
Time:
{"hour": 8, "minute": 38}
